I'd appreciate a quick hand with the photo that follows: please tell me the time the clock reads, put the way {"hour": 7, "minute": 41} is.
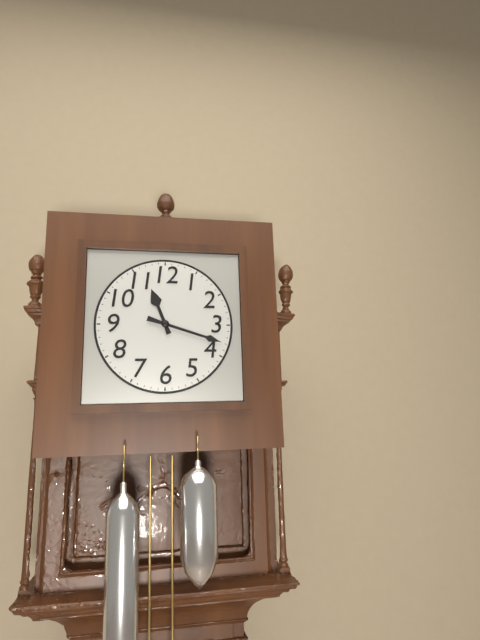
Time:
{"hour": 11, "minute": 18}
